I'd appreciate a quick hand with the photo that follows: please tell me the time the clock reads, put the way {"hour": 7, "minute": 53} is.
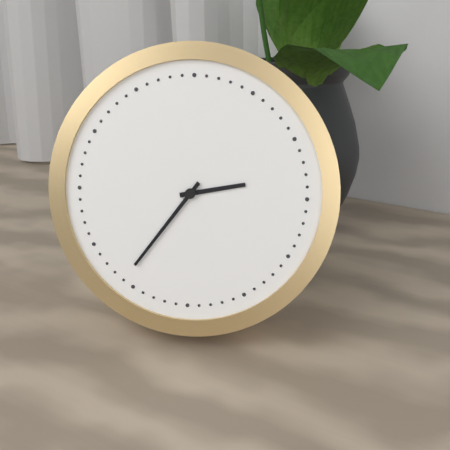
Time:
{"hour": 2, "minute": 36}
